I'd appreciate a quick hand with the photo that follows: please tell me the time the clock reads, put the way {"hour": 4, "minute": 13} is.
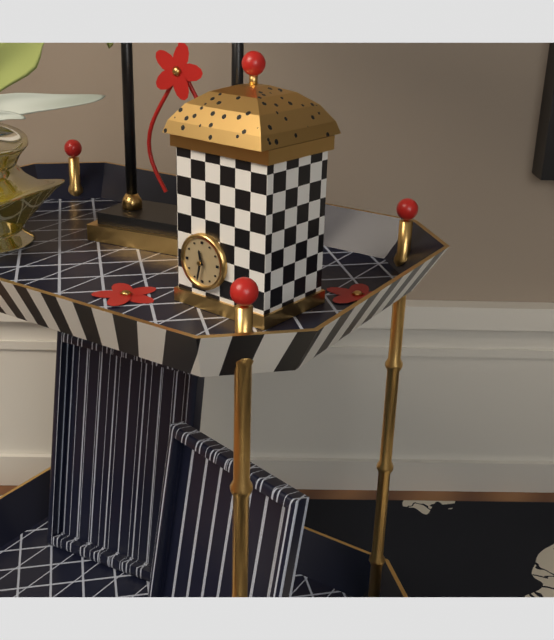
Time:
{"hour": 11, "minute": 32}
